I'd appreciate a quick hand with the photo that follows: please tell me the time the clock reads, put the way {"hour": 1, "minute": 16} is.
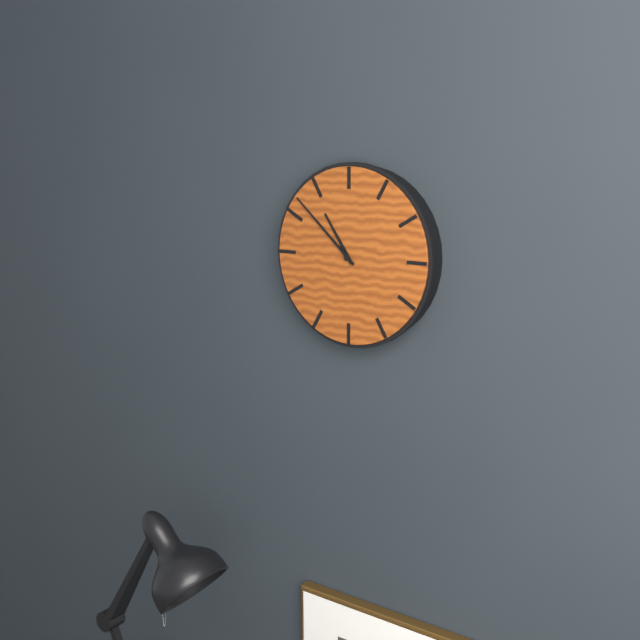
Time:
{"hour": 10, "minute": 52}
